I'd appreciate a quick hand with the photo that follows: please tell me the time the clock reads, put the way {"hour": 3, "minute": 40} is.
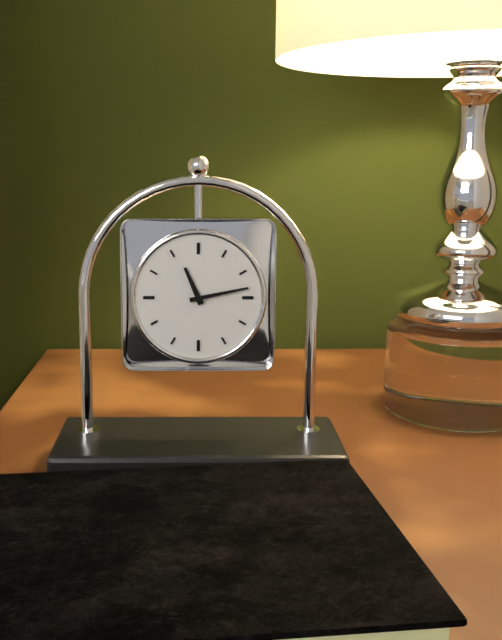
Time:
{"hour": 11, "minute": 13}
